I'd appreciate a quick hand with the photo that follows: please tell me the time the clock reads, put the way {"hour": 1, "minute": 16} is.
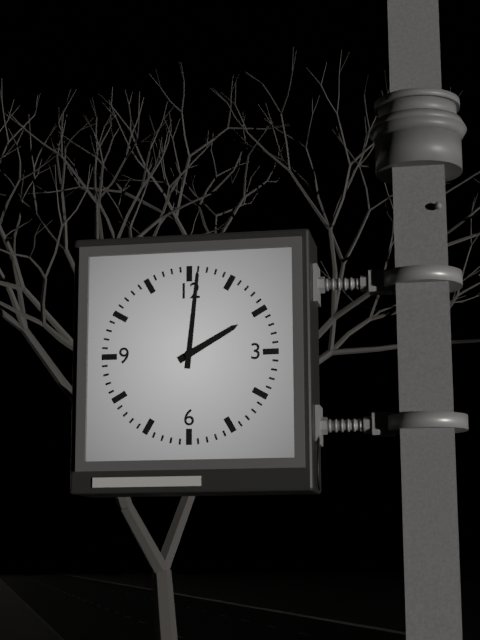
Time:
{"hour": 2, "minute": 1}
